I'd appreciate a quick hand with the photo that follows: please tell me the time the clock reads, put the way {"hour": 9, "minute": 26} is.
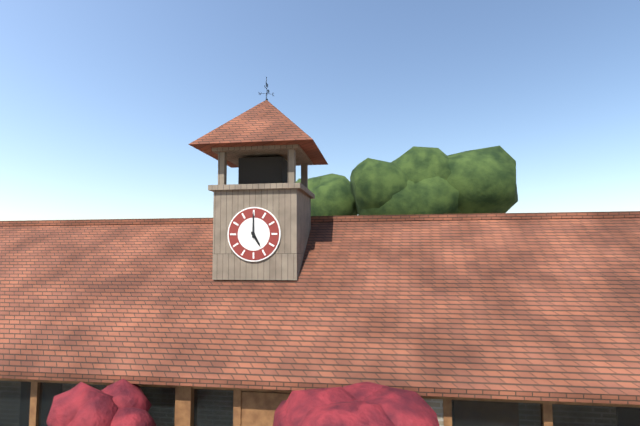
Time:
{"hour": 5, "minute": 0}
